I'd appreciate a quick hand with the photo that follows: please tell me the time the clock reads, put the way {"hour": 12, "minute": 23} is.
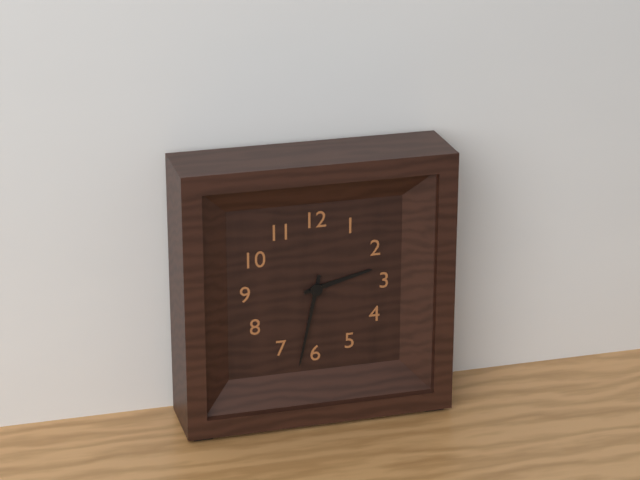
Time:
{"hour": 2, "minute": 32}
